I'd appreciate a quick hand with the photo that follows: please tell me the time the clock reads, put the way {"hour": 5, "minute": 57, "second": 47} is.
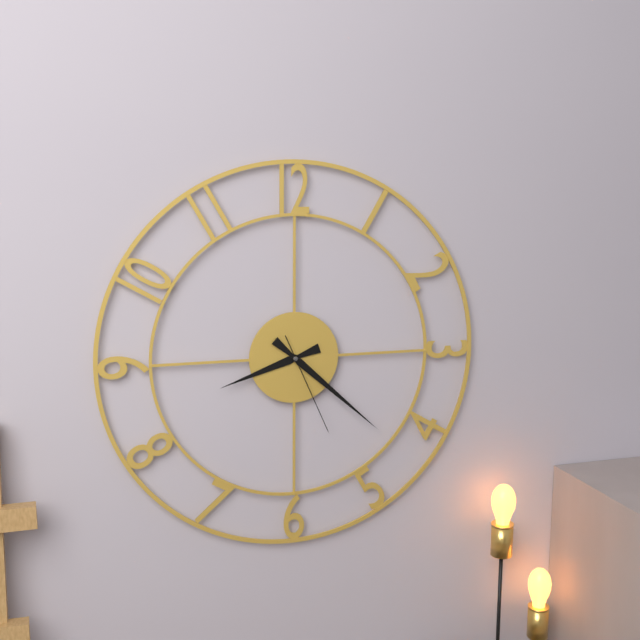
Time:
{"hour": 8, "minute": 22, "second": 26}
